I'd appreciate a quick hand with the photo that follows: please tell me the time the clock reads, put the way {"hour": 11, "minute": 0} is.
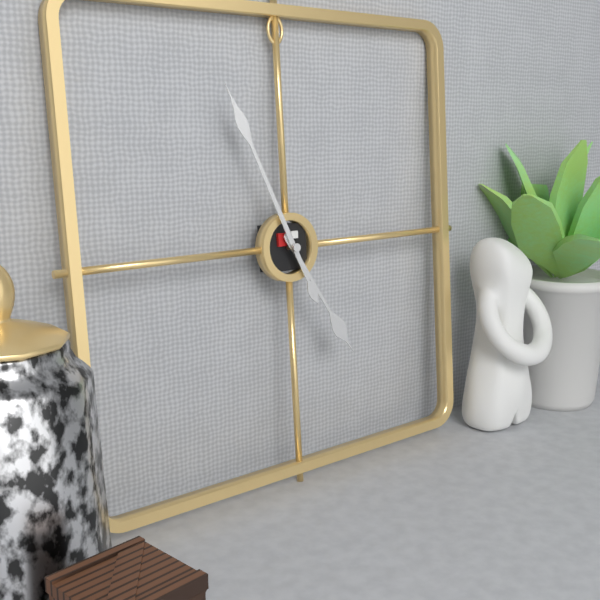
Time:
{"hour": 4, "minute": 56}
